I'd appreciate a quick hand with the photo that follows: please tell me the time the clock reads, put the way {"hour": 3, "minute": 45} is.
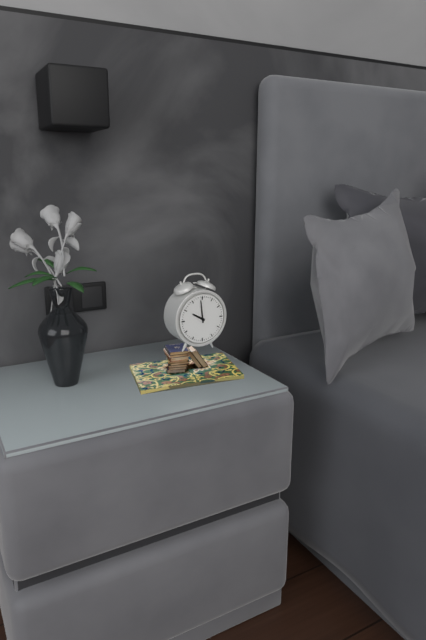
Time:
{"hour": 9, "minute": 59}
